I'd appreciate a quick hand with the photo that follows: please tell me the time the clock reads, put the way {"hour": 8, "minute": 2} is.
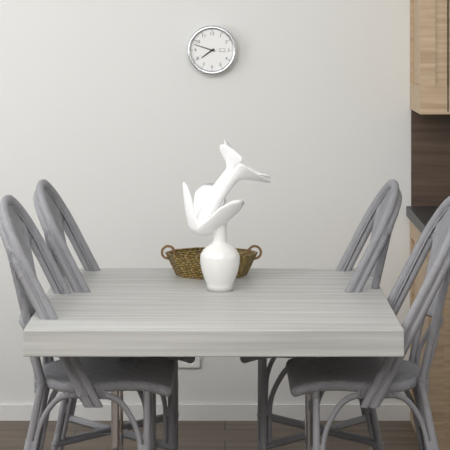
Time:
{"hour": 7, "minute": 48}
